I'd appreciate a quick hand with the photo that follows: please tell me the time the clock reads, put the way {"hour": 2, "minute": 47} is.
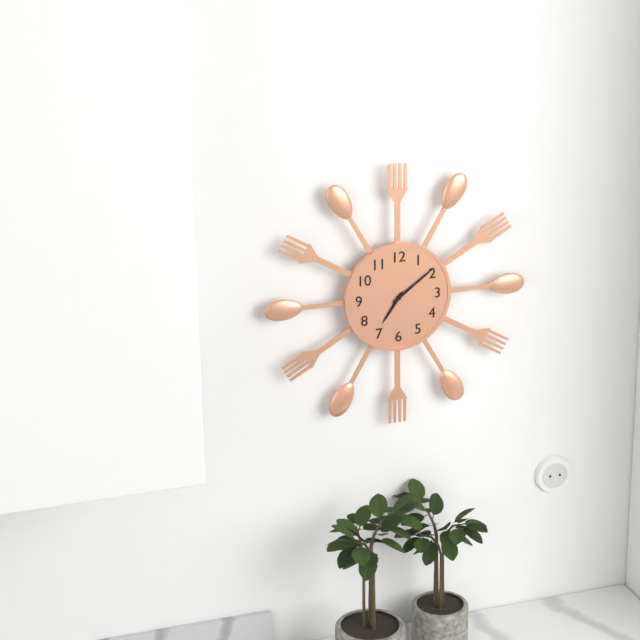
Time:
{"hour": 7, "minute": 9}
